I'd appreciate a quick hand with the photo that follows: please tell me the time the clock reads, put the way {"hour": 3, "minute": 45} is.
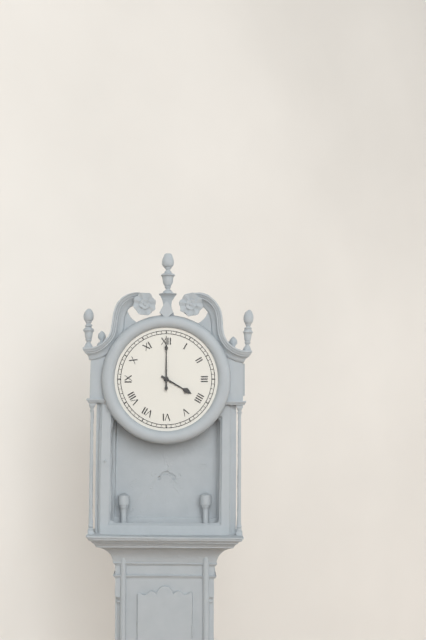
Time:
{"hour": 4, "minute": 0}
